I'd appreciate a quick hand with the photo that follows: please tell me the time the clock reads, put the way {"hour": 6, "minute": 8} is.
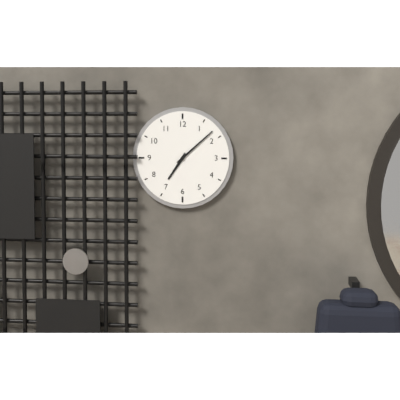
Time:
{"hour": 7, "minute": 8}
